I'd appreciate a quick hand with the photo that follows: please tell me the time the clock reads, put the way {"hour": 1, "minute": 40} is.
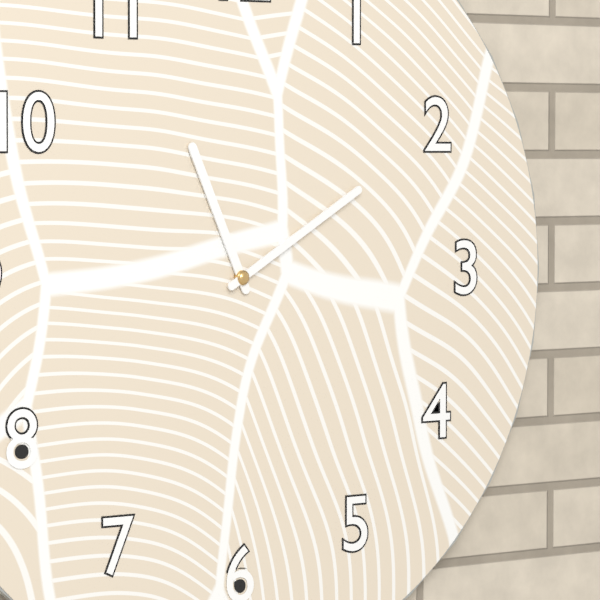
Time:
{"hour": 11, "minute": 10}
